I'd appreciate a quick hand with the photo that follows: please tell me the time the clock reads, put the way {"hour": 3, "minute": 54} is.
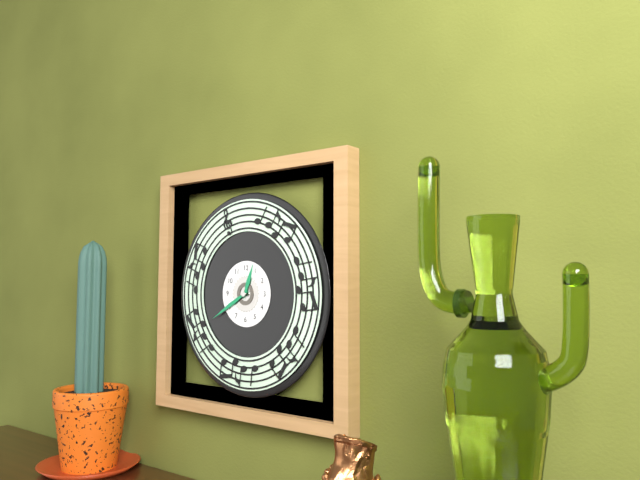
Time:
{"hour": 12, "minute": 40}
